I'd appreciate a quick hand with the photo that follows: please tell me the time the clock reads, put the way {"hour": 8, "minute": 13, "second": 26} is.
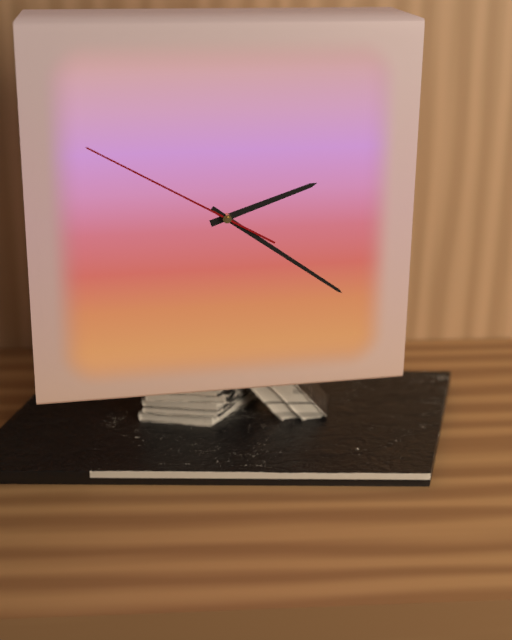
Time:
{"hour": 2, "minute": 21, "second": 50}
